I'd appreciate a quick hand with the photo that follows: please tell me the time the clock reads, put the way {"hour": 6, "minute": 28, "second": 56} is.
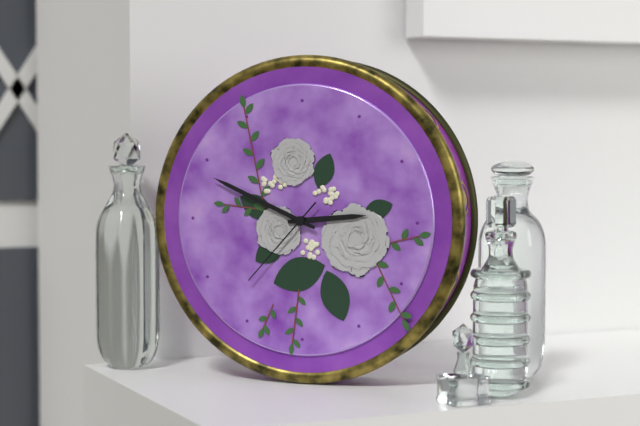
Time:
{"hour": 2, "minute": 49, "second": 37}
